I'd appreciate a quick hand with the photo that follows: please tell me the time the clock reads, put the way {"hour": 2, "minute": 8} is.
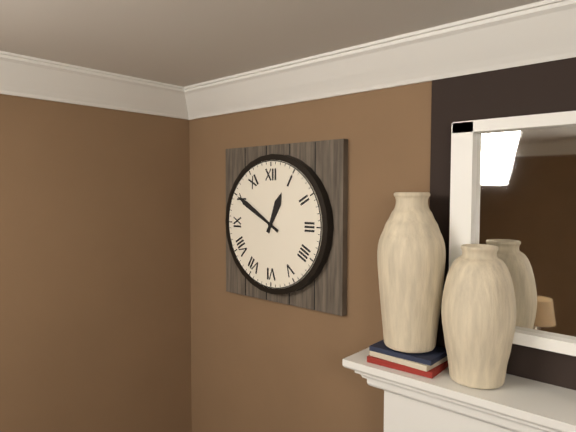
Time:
{"hour": 12, "minute": 50}
